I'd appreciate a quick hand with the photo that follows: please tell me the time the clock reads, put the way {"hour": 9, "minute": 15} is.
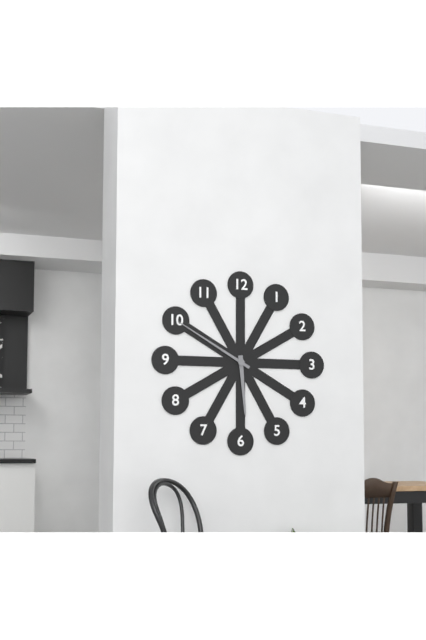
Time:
{"hour": 5, "minute": 50}
